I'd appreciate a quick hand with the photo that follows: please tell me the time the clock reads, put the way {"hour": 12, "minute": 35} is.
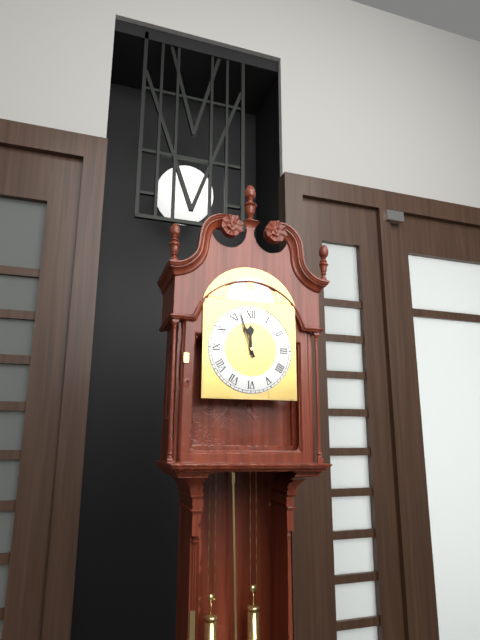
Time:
{"hour": 11, "minute": 57}
